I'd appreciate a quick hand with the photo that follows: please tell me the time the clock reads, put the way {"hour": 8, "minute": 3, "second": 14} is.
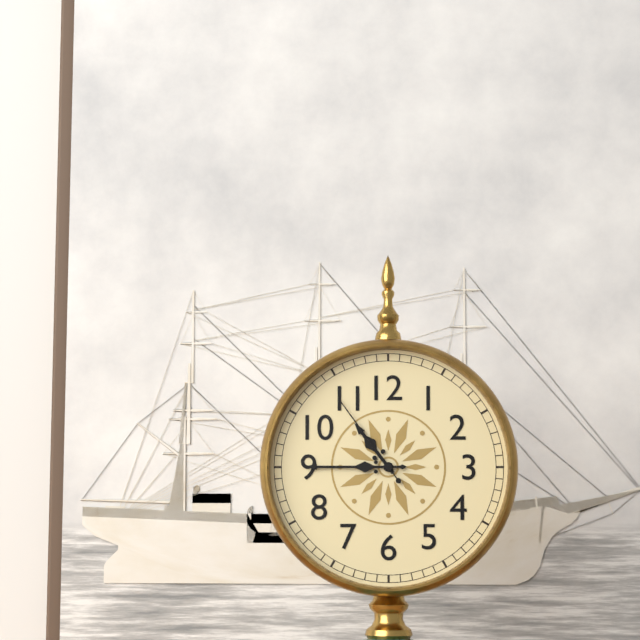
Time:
{"hour": 10, "minute": 45, "second": 54}
